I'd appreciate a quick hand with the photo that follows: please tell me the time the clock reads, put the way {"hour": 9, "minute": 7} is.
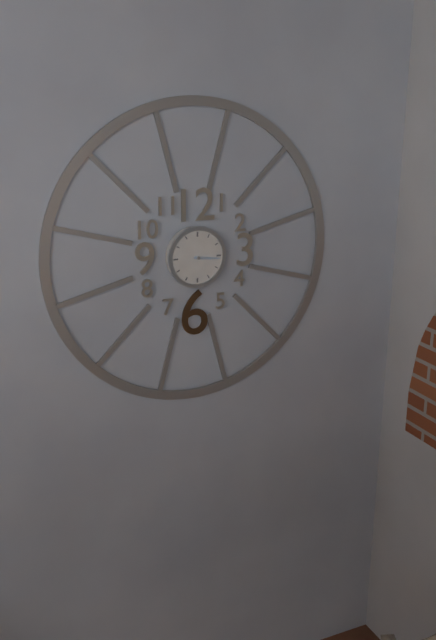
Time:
{"hour": 3, "minute": 16}
